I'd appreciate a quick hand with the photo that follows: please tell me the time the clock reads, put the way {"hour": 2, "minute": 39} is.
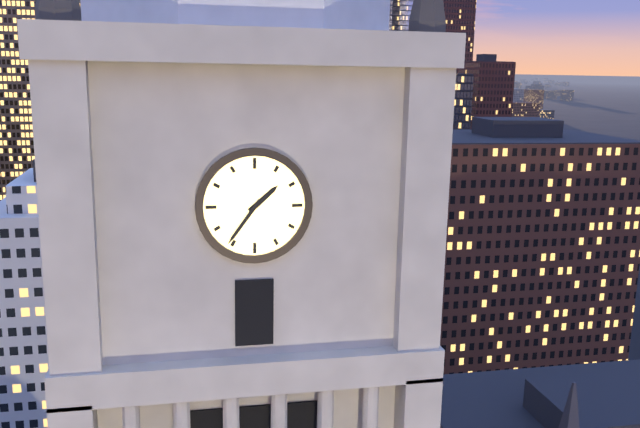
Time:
{"hour": 1, "minute": 36}
